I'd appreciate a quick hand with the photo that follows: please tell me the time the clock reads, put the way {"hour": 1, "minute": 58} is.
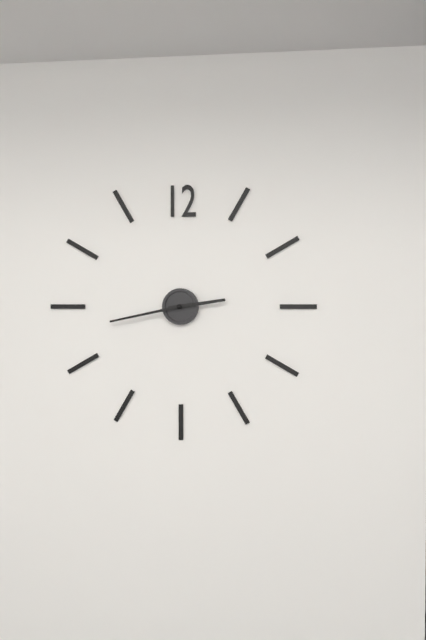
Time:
{"hour": 2, "minute": 43}
